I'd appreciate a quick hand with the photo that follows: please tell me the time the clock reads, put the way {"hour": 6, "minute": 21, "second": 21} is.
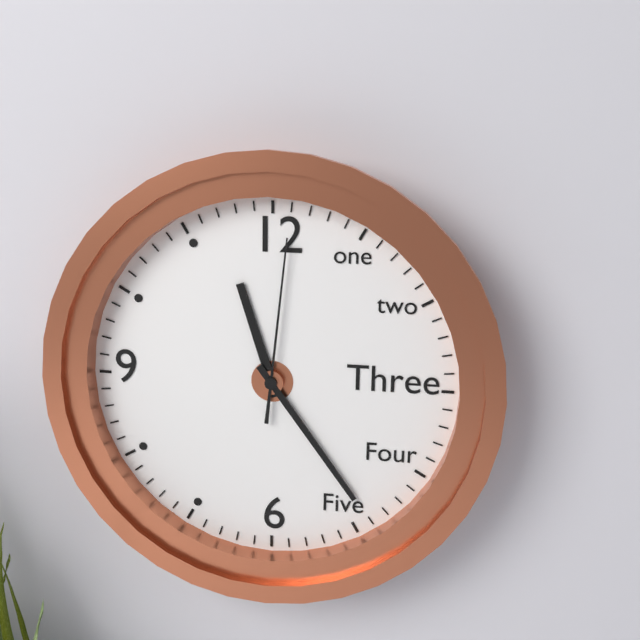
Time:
{"hour": 11, "minute": 24, "second": 1}
